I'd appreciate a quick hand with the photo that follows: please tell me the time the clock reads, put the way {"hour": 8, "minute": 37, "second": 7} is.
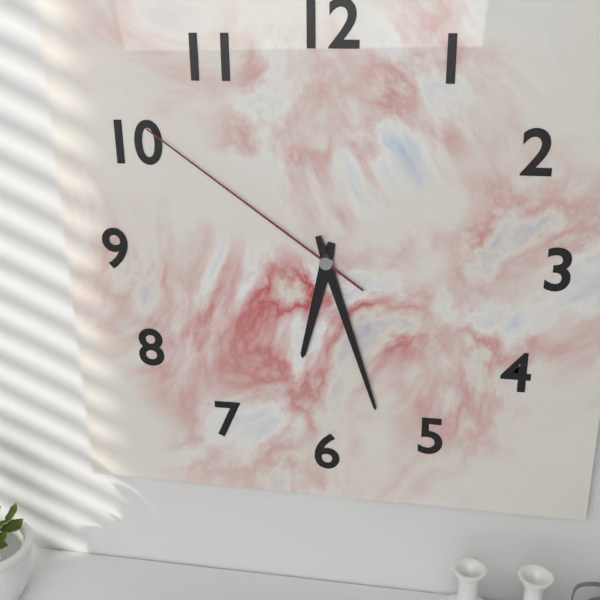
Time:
{"hour": 6, "minute": 27, "second": 51}
